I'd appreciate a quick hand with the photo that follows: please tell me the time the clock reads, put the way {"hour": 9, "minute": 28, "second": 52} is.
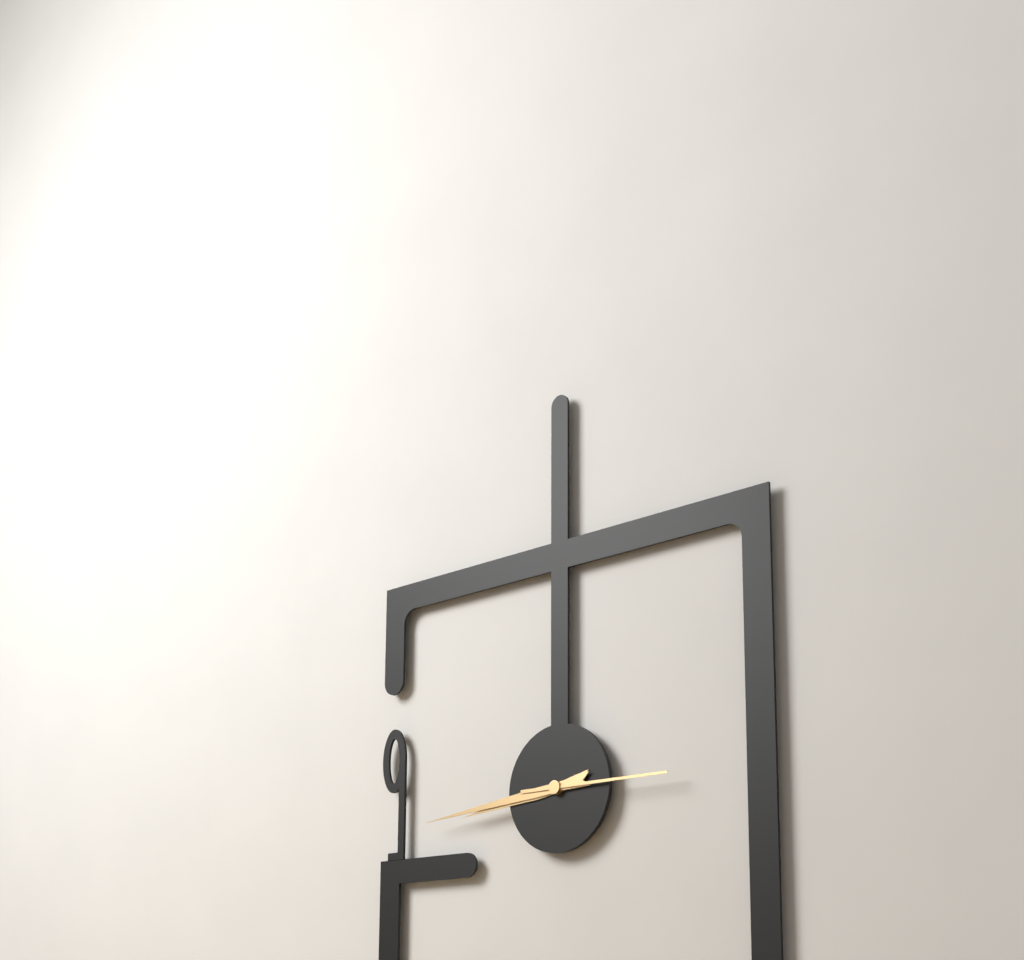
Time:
{"hour": 8, "minute": 44, "second": 15}
